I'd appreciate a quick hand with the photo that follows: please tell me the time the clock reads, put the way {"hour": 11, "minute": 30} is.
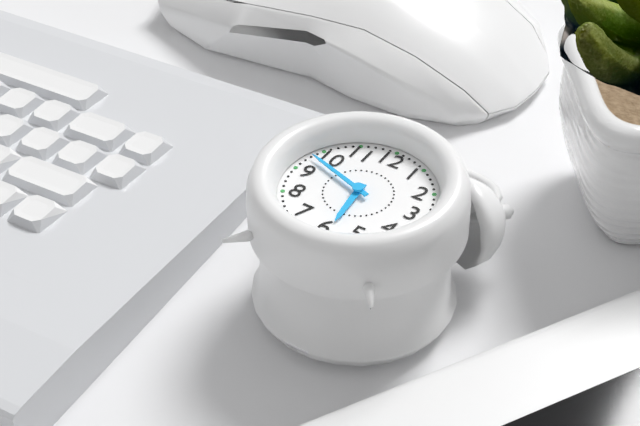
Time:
{"hour": 5, "minute": 48}
